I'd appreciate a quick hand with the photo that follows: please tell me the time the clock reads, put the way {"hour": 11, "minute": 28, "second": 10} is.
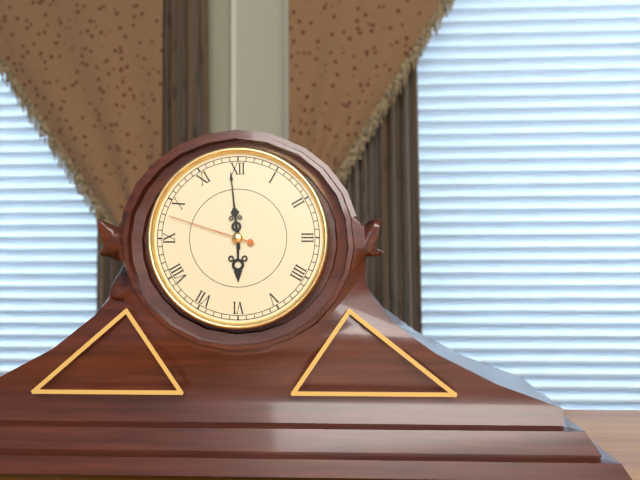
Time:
{"hour": 5, "minute": 59, "second": 48}
